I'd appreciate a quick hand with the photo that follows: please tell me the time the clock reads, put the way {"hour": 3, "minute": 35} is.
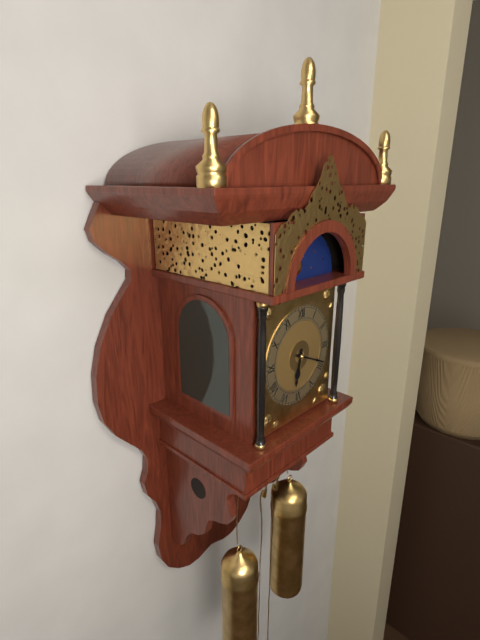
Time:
{"hour": 6, "minute": 19}
